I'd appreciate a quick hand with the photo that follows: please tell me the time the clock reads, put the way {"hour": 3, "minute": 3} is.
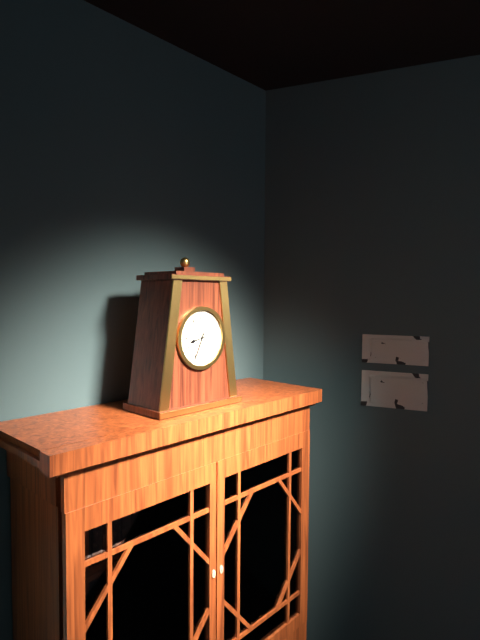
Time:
{"hour": 8, "minute": 34}
